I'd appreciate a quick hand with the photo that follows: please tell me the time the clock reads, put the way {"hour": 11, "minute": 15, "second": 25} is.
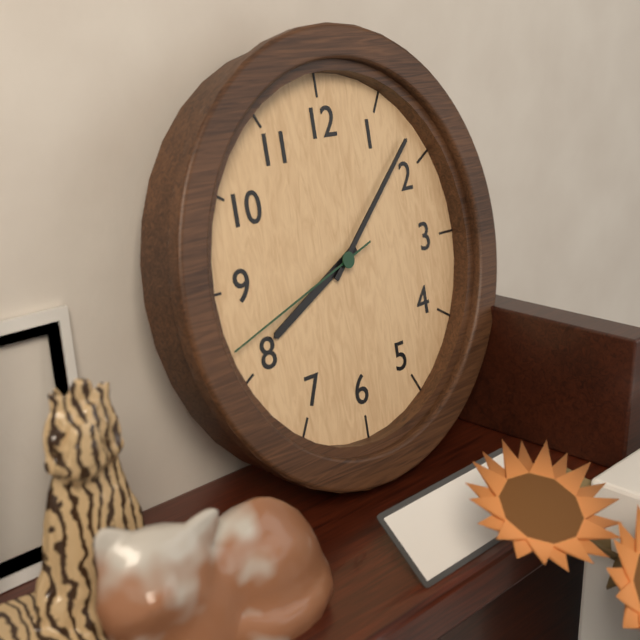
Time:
{"hour": 8, "minute": 8, "second": 42}
